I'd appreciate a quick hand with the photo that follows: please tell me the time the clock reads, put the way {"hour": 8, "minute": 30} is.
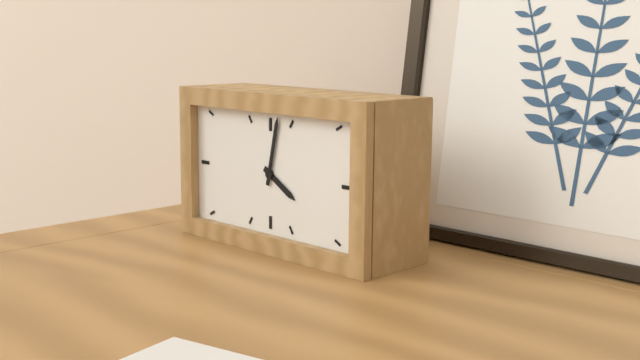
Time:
{"hour": 4, "minute": 2}
